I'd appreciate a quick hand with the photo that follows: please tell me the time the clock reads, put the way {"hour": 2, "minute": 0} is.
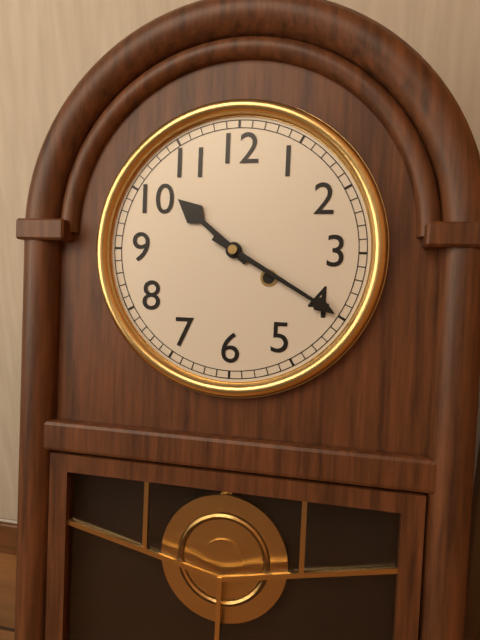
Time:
{"hour": 10, "minute": 20}
